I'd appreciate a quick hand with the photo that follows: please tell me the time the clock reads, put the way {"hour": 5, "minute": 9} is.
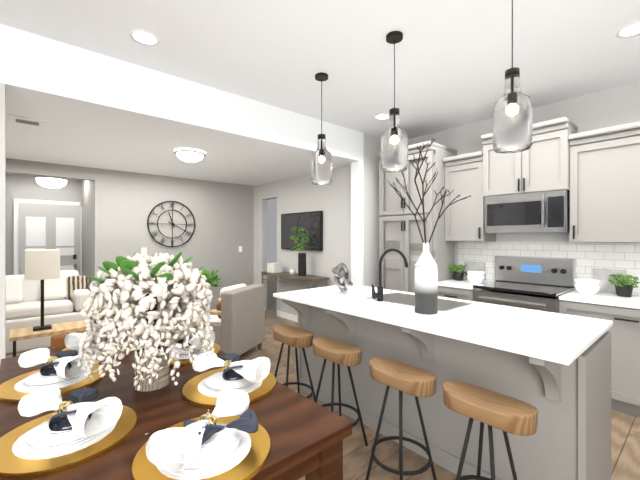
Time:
{"hour": 11, "minute": 20}
